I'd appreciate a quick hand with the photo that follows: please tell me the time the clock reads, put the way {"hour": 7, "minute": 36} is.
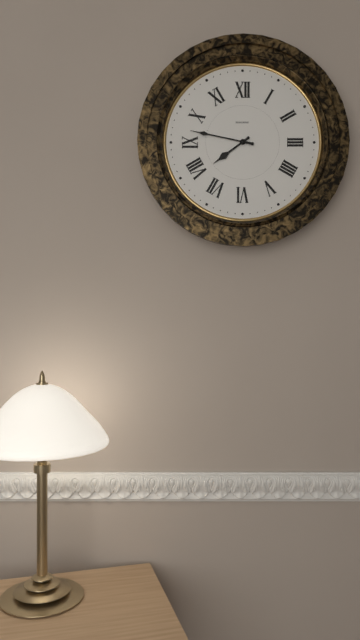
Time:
{"hour": 7, "minute": 47}
